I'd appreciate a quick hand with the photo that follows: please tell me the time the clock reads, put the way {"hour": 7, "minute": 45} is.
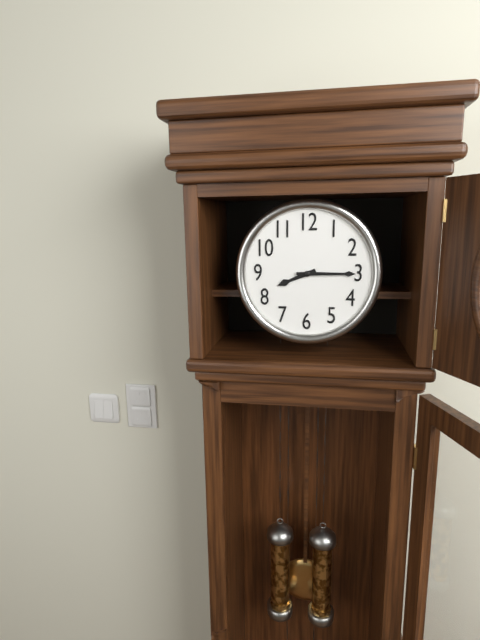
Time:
{"hour": 8, "minute": 15}
